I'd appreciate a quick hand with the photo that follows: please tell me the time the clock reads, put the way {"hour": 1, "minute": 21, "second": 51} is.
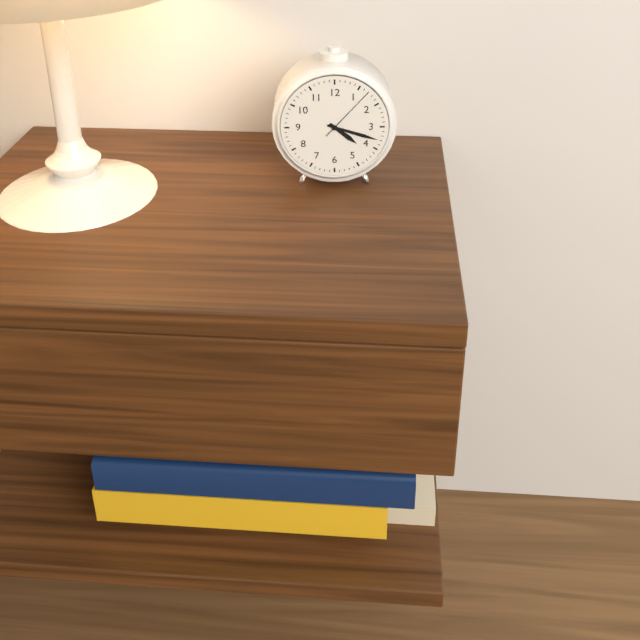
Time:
{"hour": 4, "minute": 18, "second": 7}
